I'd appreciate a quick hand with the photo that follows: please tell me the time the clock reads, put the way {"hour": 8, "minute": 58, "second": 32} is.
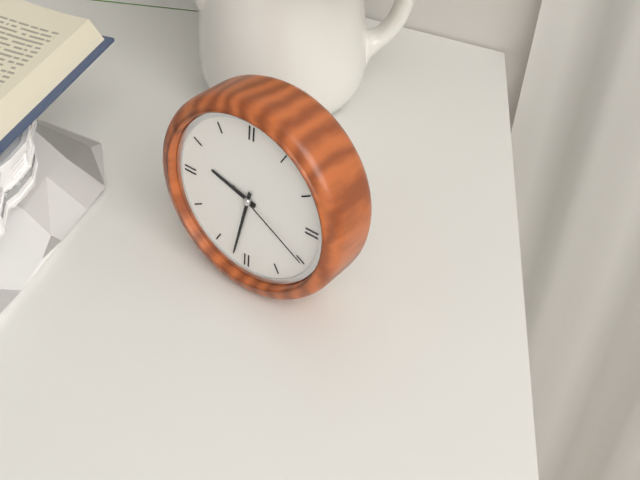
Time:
{"hour": 9, "minute": 32, "second": 20}
